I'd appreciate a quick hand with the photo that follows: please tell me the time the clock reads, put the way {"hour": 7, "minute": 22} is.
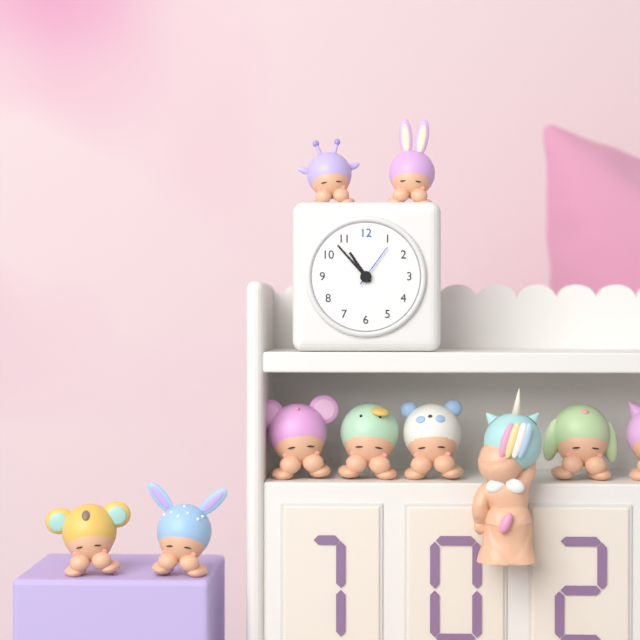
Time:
{"hour": 10, "minute": 53}
